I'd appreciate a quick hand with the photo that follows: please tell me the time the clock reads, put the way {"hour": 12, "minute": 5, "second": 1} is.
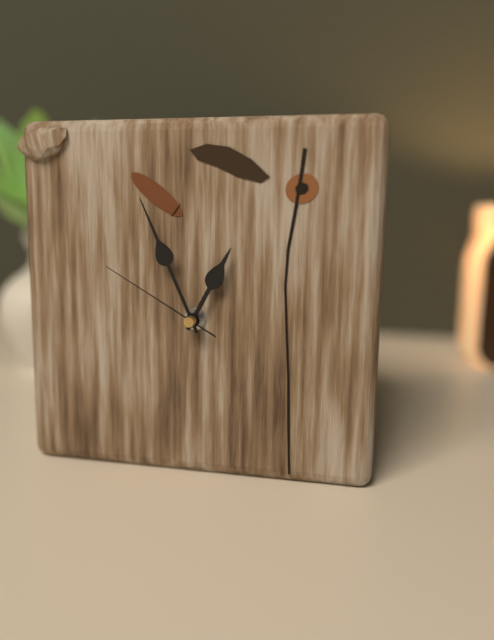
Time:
{"hour": 12, "minute": 56, "second": 50}
